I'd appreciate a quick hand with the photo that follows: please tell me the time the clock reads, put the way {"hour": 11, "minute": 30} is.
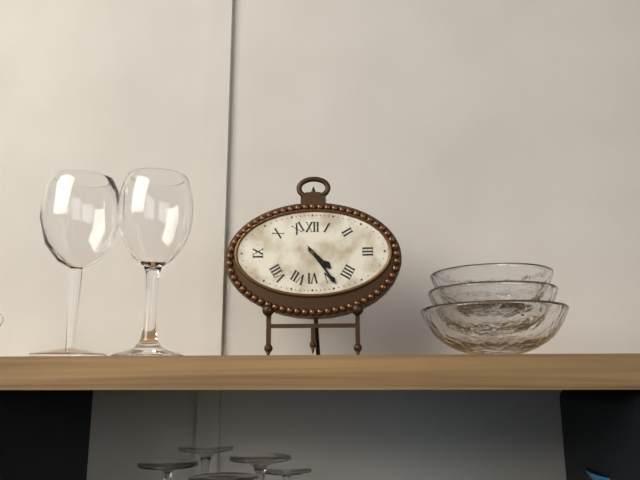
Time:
{"hour": 4, "minute": 24}
